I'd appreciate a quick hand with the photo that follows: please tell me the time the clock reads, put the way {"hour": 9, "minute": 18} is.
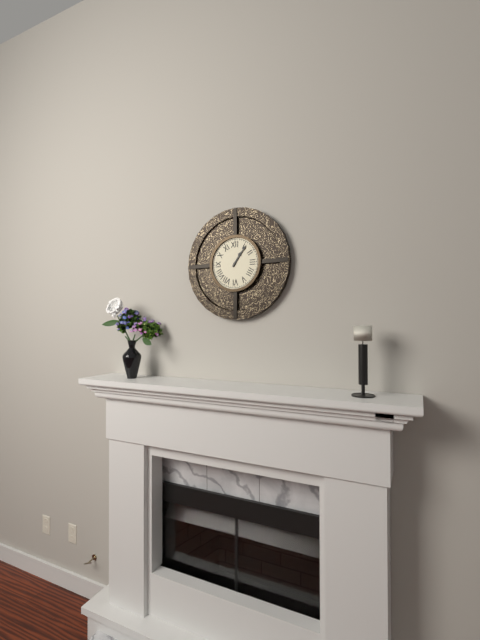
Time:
{"hour": 1, "minute": 6}
